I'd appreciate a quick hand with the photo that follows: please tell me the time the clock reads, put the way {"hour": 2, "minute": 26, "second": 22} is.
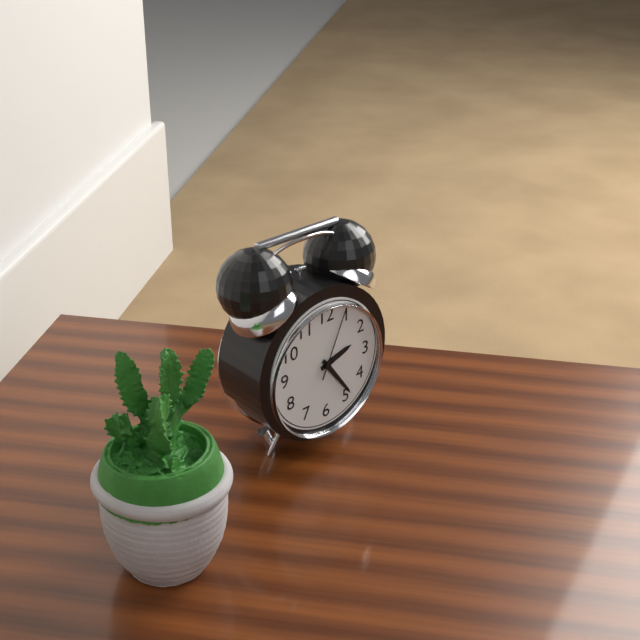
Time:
{"hour": 2, "minute": 24, "second": 4}
